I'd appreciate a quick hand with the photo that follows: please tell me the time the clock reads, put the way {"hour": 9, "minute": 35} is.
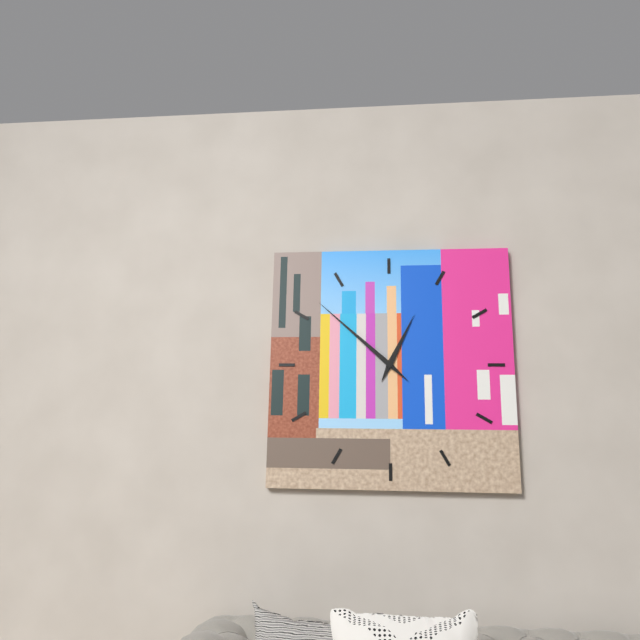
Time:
{"hour": 12, "minute": 52}
